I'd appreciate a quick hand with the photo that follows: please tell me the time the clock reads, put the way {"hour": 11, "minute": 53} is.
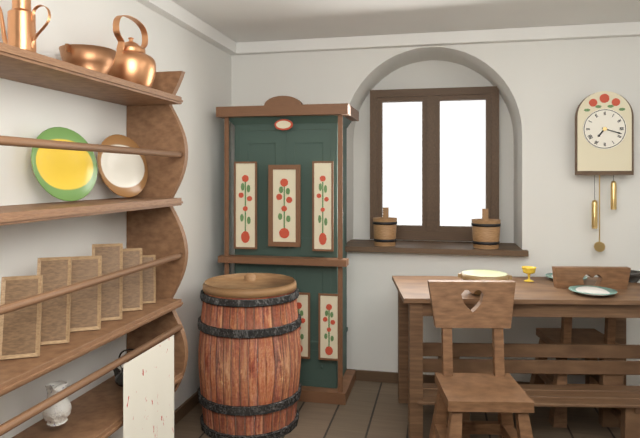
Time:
{"hour": 7, "minute": 18}
